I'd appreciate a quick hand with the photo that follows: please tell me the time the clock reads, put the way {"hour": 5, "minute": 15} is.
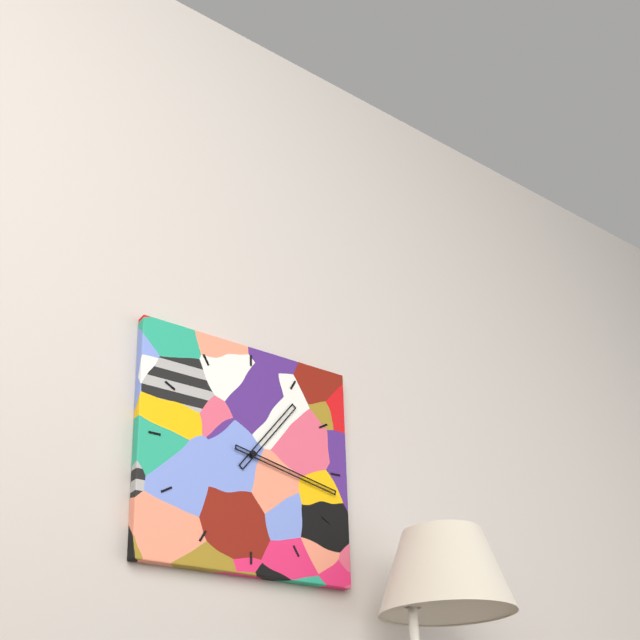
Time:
{"hour": 1, "minute": 17}
